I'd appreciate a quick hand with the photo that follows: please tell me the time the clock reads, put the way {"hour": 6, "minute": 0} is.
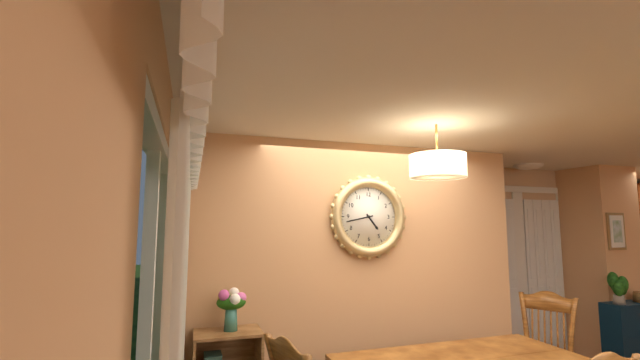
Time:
{"hour": 4, "minute": 43}
